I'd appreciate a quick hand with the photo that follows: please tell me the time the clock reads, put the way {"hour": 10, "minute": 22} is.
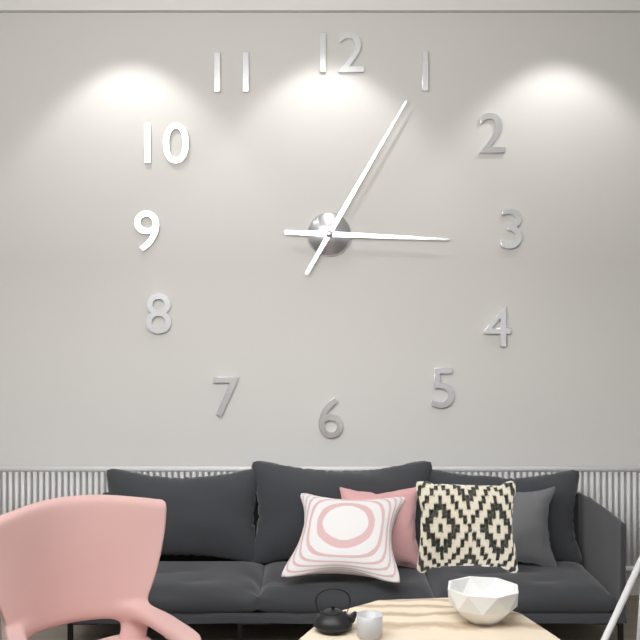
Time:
{"hour": 3, "minute": 5}
